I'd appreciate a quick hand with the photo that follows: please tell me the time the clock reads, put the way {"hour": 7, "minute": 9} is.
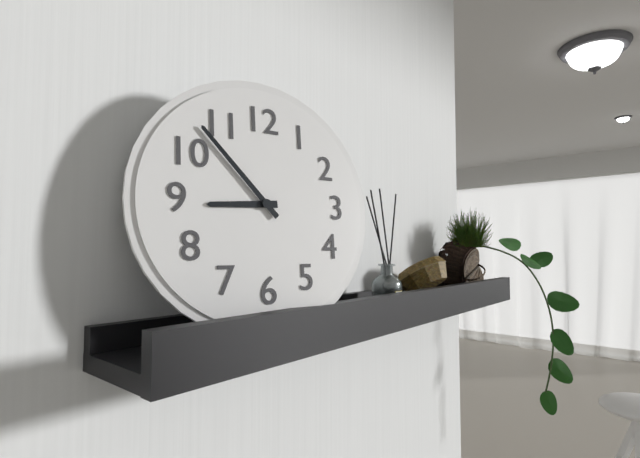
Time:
{"hour": 8, "minute": 53}
